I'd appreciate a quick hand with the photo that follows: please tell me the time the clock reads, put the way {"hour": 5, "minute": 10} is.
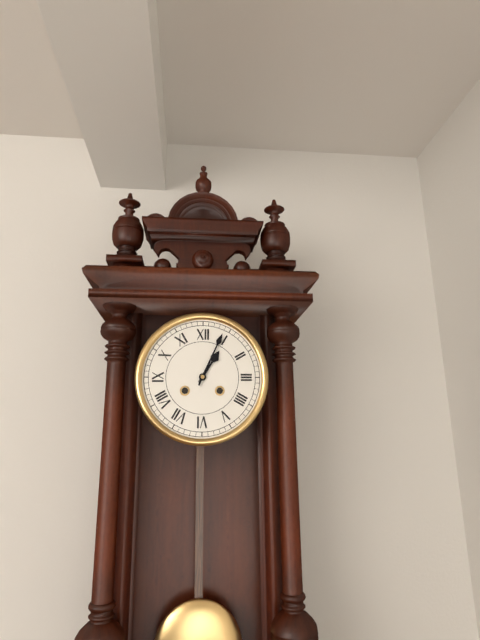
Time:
{"hour": 1, "minute": 4}
